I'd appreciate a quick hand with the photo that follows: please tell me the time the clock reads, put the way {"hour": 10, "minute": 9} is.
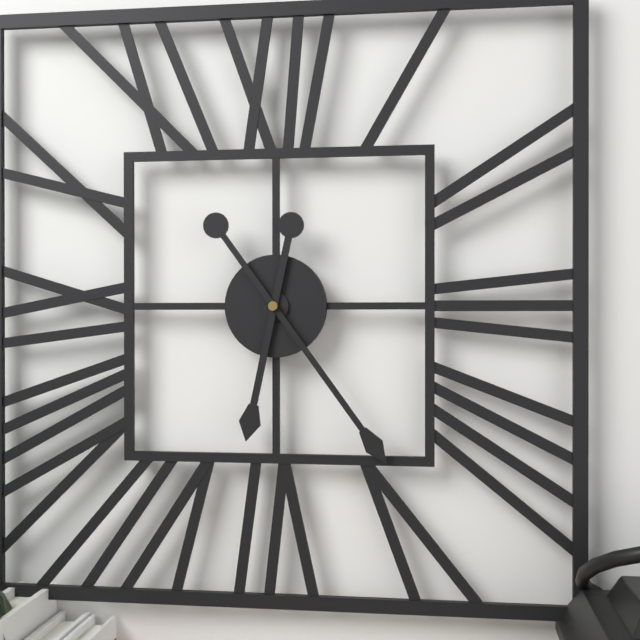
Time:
{"hour": 6, "minute": 24}
